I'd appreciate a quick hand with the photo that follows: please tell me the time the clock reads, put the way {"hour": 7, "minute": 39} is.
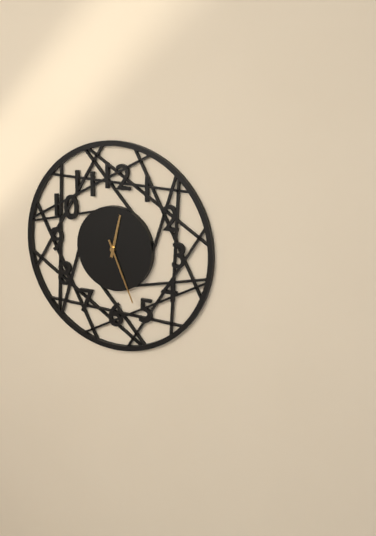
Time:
{"hour": 12, "minute": 26}
